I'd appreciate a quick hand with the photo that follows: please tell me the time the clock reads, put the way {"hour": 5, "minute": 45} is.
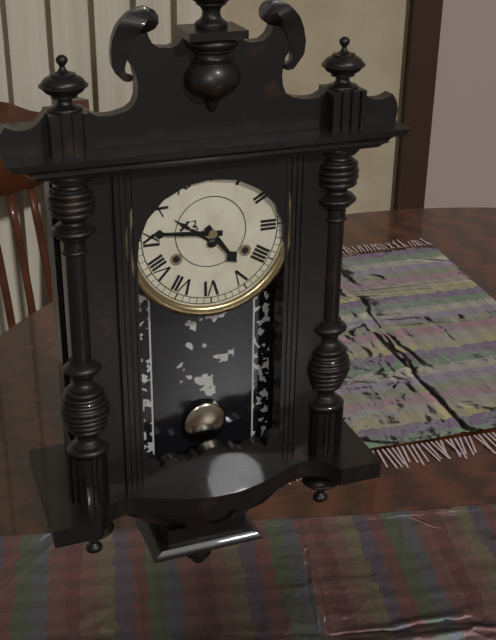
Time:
{"hour": 4, "minute": 46}
